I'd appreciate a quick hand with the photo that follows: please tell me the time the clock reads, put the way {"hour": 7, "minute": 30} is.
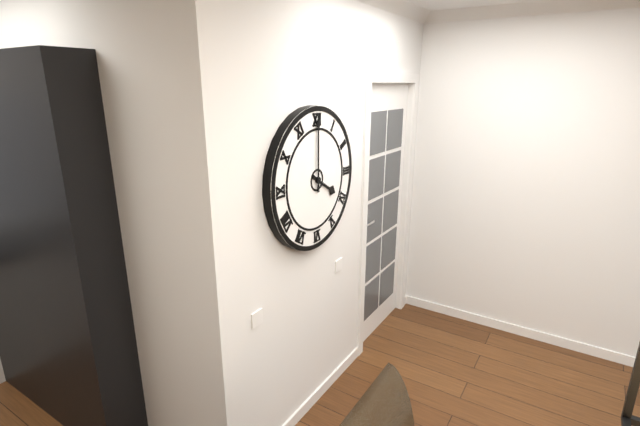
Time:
{"hour": 4, "minute": 0}
